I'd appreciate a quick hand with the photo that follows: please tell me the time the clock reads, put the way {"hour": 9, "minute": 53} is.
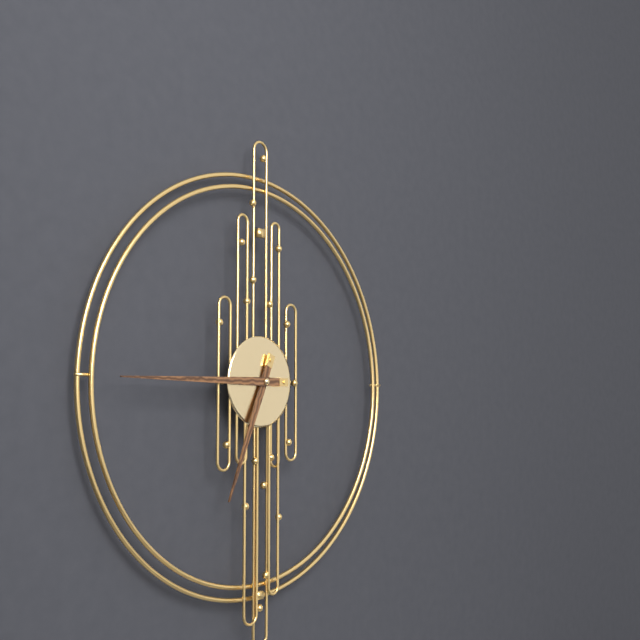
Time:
{"hour": 6, "minute": 45}
